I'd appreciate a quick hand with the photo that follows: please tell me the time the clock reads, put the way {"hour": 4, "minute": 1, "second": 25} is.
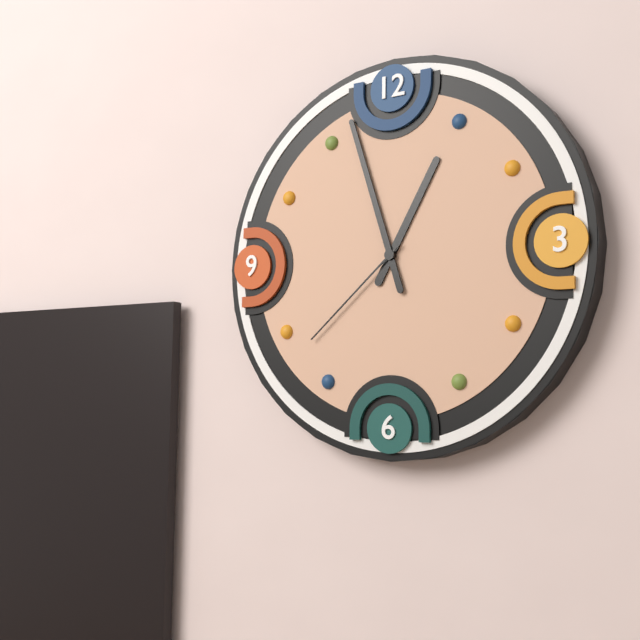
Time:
{"hour": 12, "minute": 57, "second": 38}
